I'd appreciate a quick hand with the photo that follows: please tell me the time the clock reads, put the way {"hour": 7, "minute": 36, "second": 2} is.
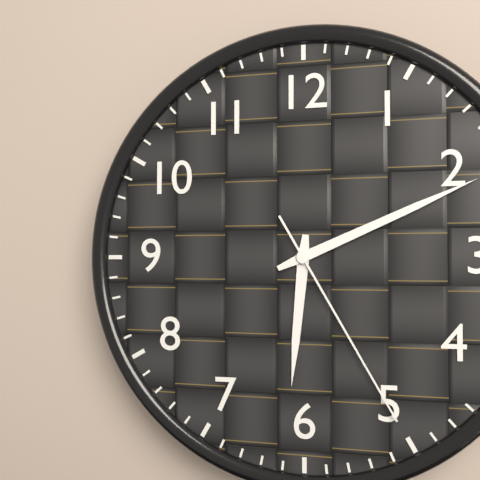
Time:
{"hour": 6, "minute": 11, "second": 25}
